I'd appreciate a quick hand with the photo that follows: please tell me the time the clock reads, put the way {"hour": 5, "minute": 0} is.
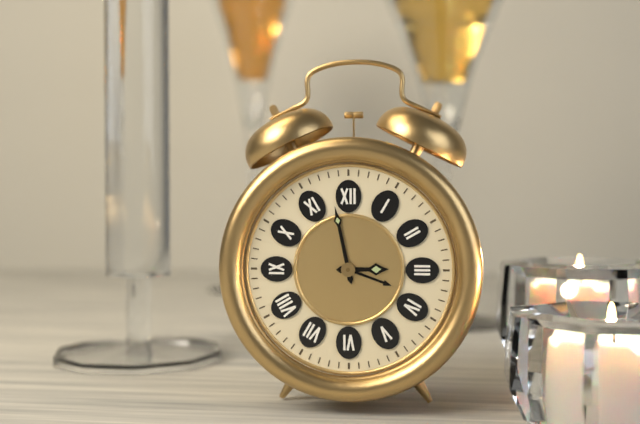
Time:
{"hour": 2, "minute": 58}
